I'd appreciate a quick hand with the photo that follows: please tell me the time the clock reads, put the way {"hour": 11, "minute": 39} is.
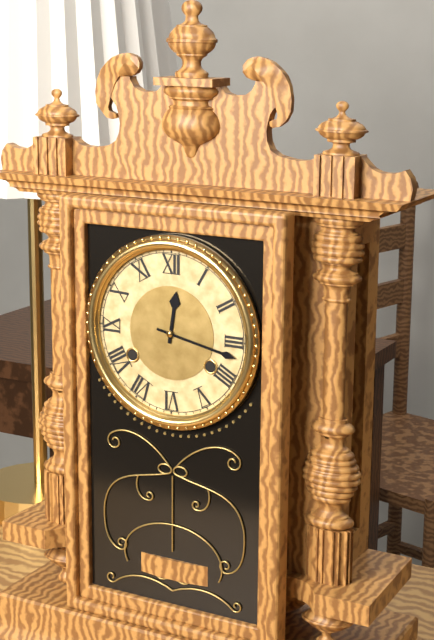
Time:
{"hour": 12, "minute": 17}
